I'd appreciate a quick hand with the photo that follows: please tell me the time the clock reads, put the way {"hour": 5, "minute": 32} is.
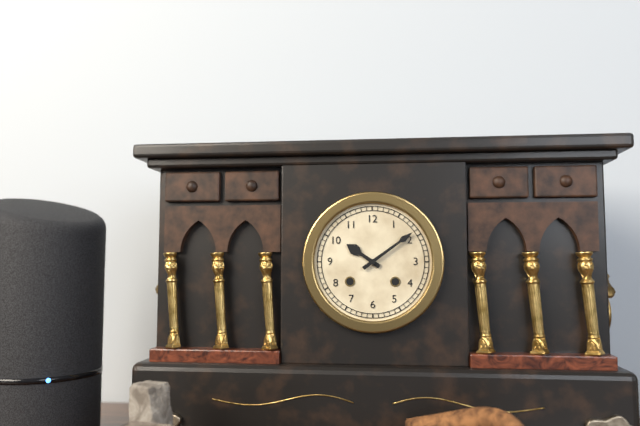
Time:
{"hour": 10, "minute": 9}
